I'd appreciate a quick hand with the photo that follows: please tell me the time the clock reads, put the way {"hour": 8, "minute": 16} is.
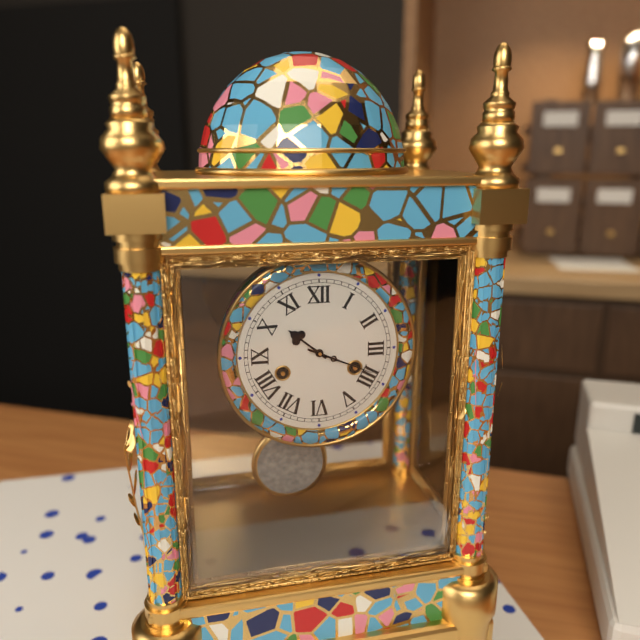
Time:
{"hour": 10, "minute": 19}
